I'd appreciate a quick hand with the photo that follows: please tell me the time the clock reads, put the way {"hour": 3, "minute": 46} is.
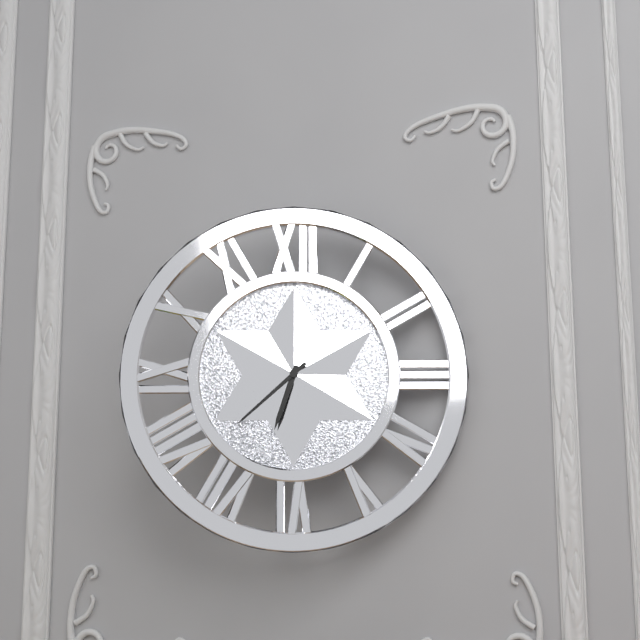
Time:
{"hour": 6, "minute": 38}
